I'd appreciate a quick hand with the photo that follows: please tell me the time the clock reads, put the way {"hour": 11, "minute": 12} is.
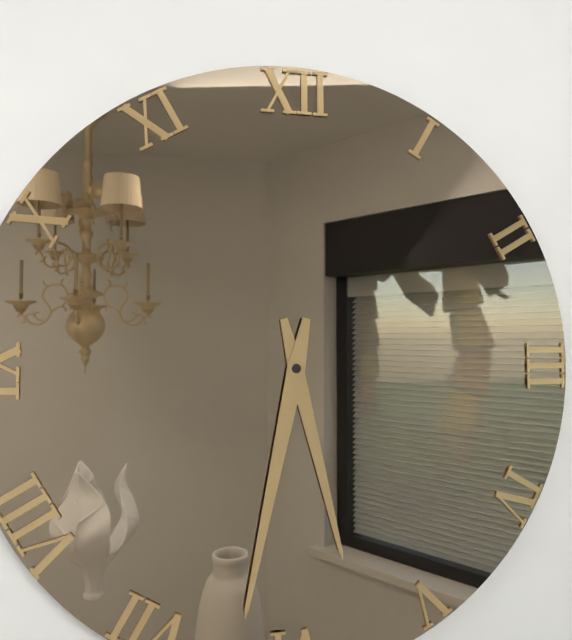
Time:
{"hour": 5, "minute": 32}
